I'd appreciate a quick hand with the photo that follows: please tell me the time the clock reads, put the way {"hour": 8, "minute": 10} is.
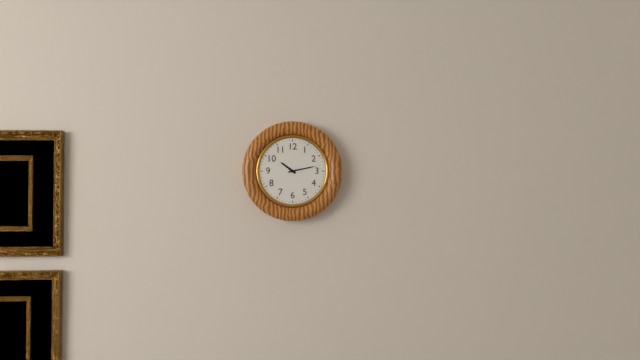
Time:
{"hour": 10, "minute": 13}
